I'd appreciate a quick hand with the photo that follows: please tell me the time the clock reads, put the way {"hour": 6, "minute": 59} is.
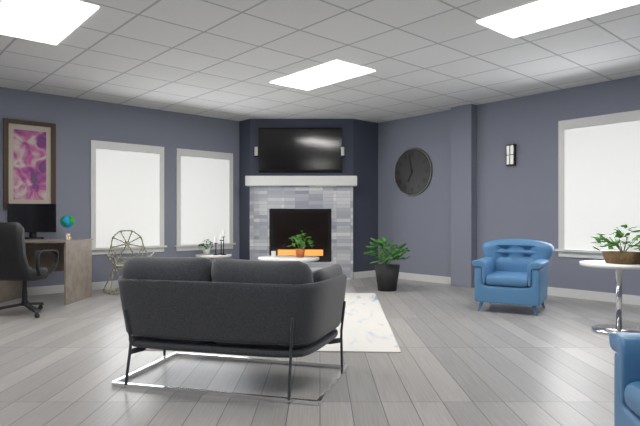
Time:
{"hour": 6, "minute": 58}
